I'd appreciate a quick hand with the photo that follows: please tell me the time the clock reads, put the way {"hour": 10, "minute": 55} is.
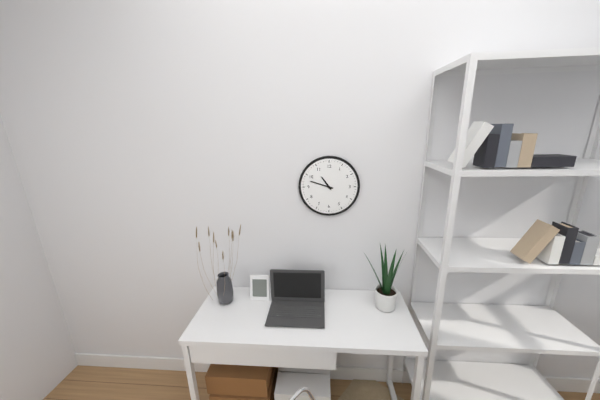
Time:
{"hour": 10, "minute": 48}
